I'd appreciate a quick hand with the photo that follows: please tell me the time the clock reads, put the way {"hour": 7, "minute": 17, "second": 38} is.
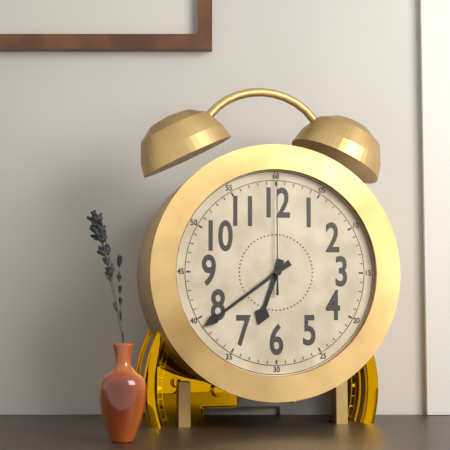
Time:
{"hour": 6, "minute": 39, "second": 0}
